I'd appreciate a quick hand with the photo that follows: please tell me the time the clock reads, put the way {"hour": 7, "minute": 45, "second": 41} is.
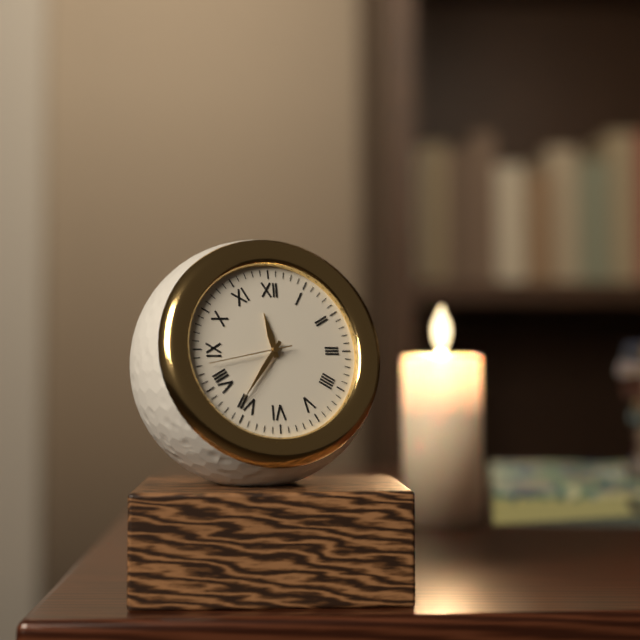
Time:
{"hour": 11, "minute": 36, "second": 43}
